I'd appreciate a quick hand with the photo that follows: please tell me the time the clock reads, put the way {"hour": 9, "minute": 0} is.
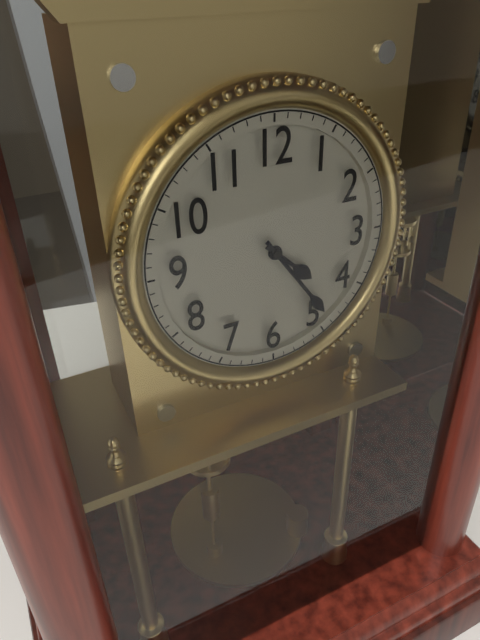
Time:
{"hour": 4, "minute": 24}
